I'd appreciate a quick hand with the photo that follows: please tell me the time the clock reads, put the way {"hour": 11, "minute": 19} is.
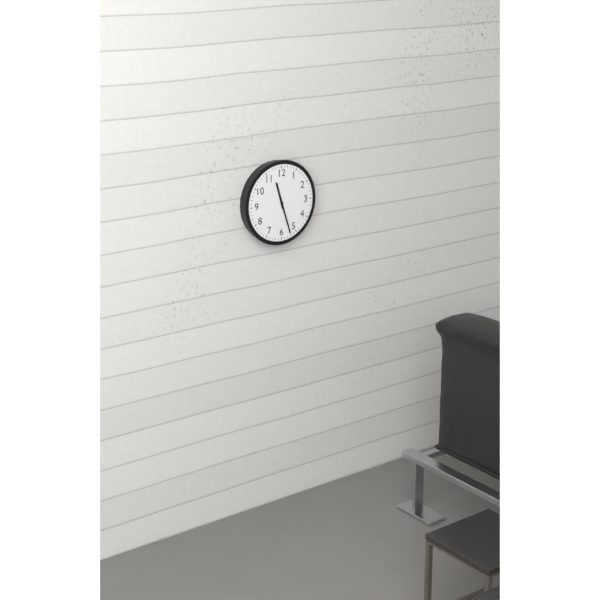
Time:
{"hour": 11, "minute": 27}
